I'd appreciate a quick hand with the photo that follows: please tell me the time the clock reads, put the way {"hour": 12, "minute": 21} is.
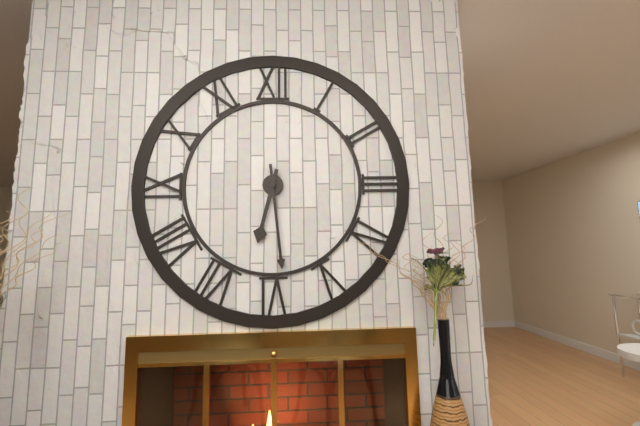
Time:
{"hour": 6, "minute": 29}
